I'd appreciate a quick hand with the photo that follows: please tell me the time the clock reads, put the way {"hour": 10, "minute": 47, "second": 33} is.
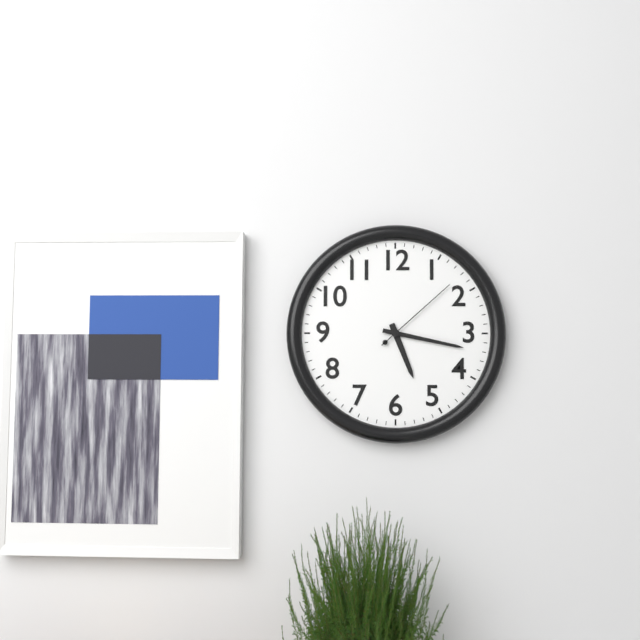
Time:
{"hour": 5, "minute": 17, "second": 8}
